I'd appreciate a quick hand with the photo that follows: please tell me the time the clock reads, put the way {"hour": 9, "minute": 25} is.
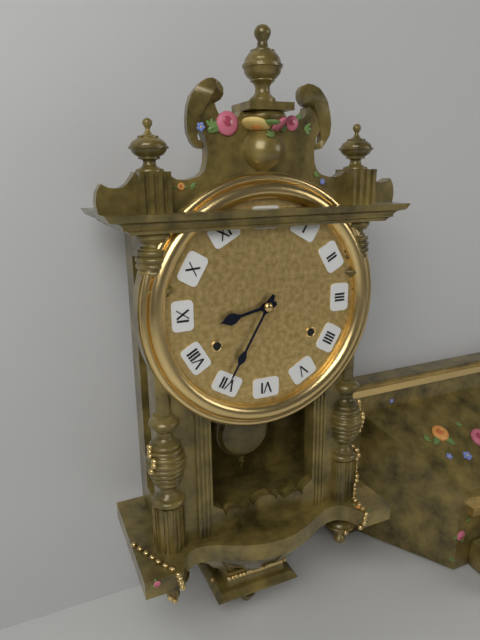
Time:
{"hour": 8, "minute": 35}
